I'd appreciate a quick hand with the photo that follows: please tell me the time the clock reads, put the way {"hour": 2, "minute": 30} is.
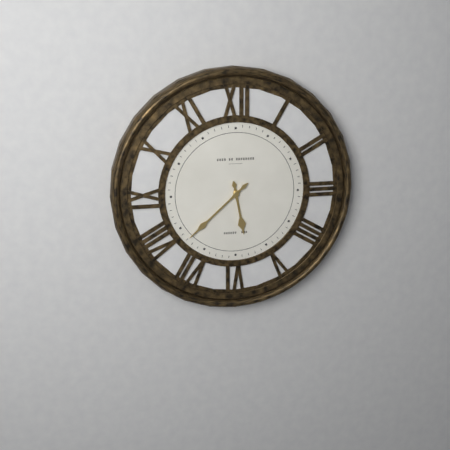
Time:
{"hour": 5, "minute": 38}
